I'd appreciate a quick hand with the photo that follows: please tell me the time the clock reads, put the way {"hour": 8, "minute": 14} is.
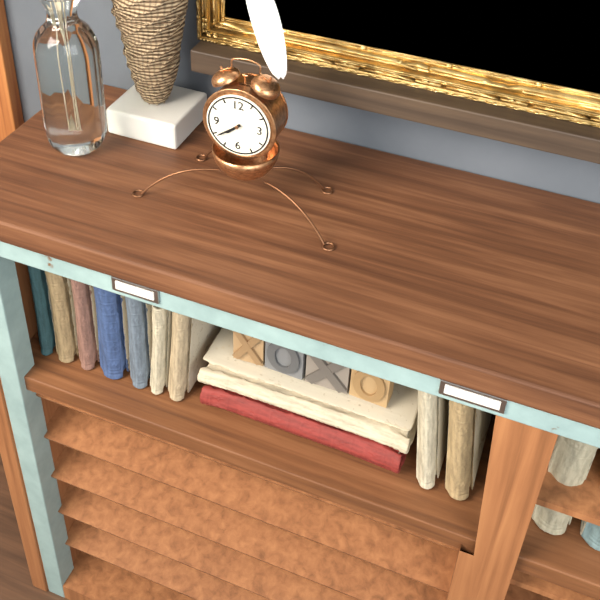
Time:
{"hour": 7, "minute": 39}
